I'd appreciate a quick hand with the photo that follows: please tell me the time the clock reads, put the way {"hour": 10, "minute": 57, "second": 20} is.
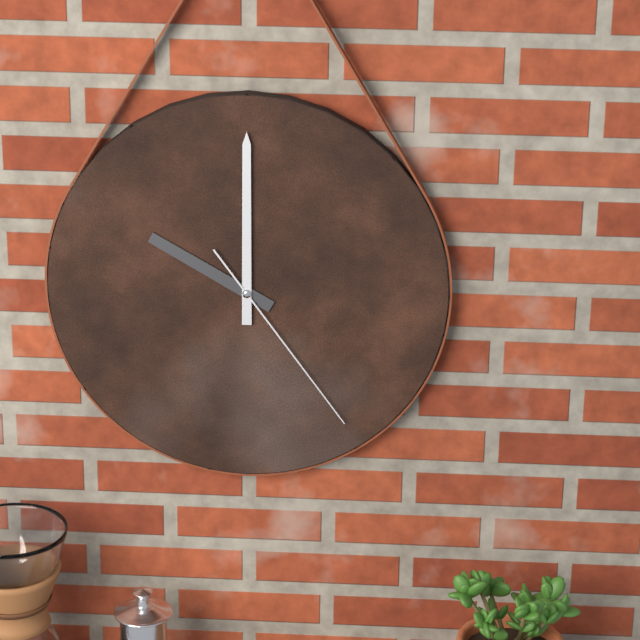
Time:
{"hour": 10, "minute": 0, "second": 24}
